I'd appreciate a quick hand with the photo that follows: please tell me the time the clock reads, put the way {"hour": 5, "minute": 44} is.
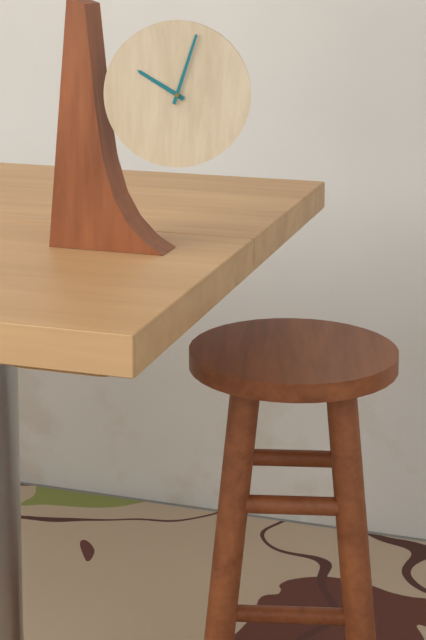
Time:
{"hour": 10, "minute": 3}
